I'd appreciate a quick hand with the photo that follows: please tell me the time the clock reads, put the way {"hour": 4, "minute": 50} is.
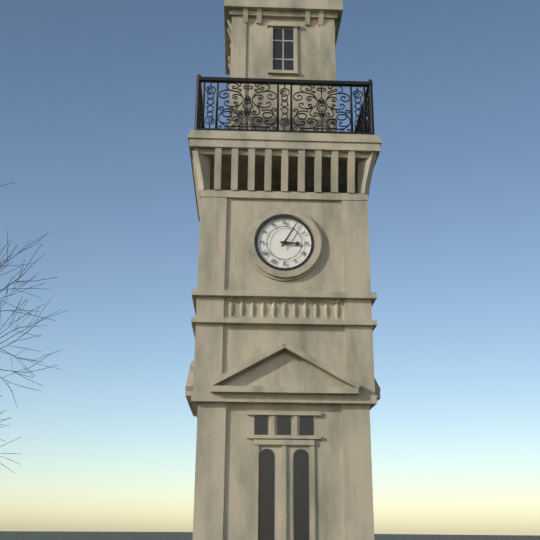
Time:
{"hour": 3, "minute": 5}
